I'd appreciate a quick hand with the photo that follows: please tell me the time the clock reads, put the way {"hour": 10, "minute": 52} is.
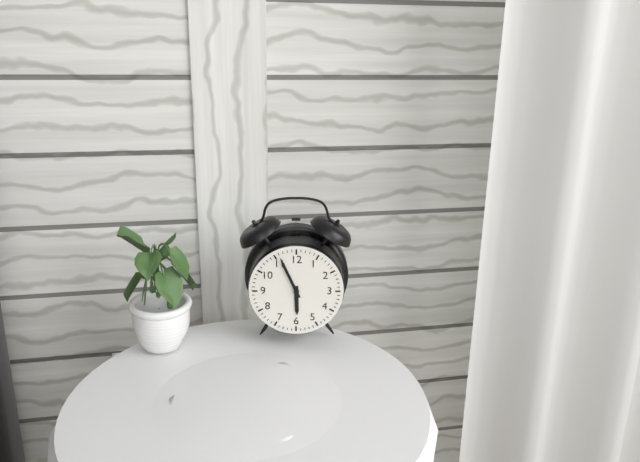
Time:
{"hour": 5, "minute": 56}
